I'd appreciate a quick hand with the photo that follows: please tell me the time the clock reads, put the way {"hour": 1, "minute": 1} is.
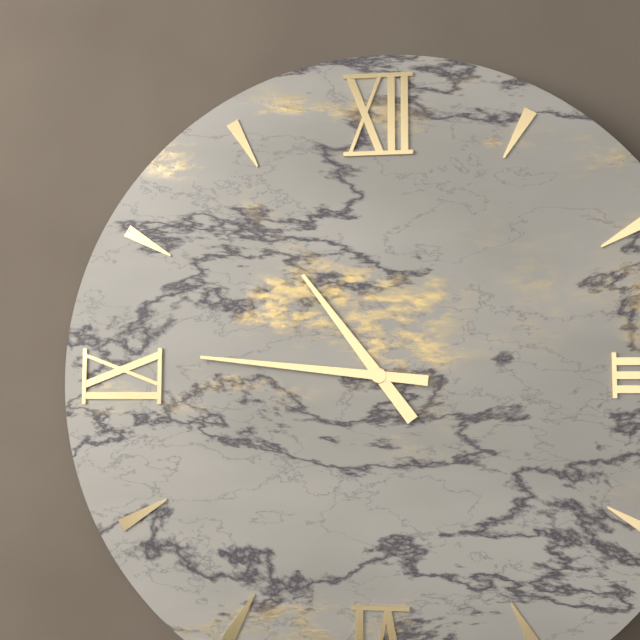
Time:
{"hour": 10, "minute": 46}
